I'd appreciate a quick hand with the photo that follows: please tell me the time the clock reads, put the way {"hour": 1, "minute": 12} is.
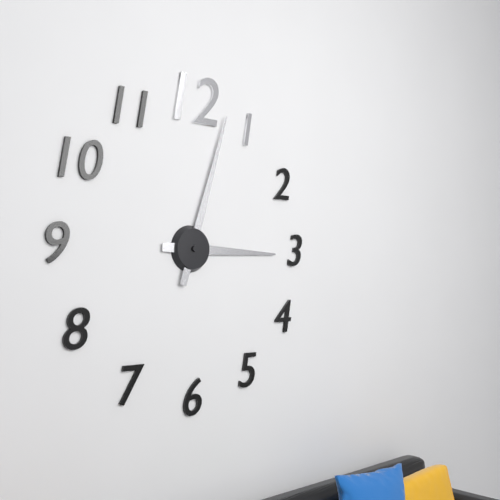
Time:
{"hour": 3, "minute": 3}
